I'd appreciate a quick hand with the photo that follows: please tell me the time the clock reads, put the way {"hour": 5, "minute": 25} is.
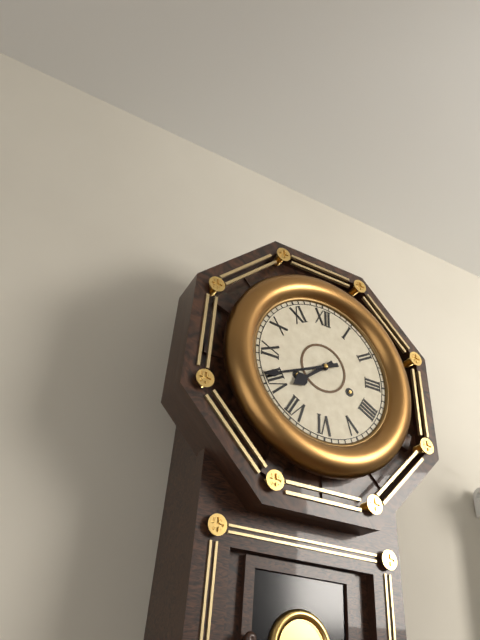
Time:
{"hour": 7, "minute": 41}
